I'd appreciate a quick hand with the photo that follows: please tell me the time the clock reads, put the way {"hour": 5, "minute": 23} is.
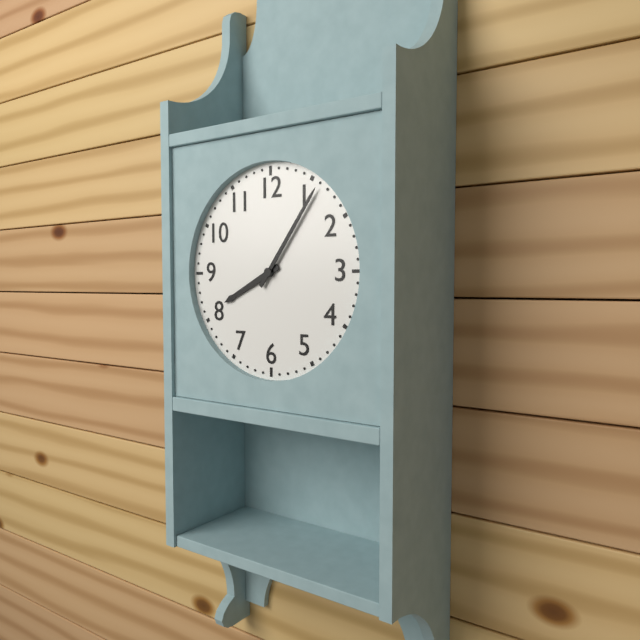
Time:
{"hour": 8, "minute": 6}
